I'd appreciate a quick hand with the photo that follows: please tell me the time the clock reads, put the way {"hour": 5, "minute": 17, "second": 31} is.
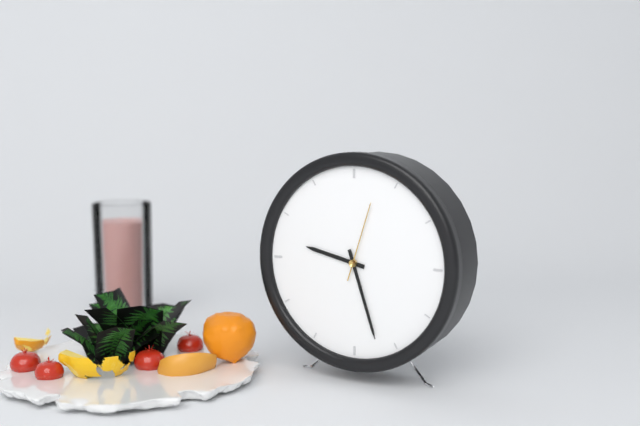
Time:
{"hour": 9, "minute": 27, "second": 3}
